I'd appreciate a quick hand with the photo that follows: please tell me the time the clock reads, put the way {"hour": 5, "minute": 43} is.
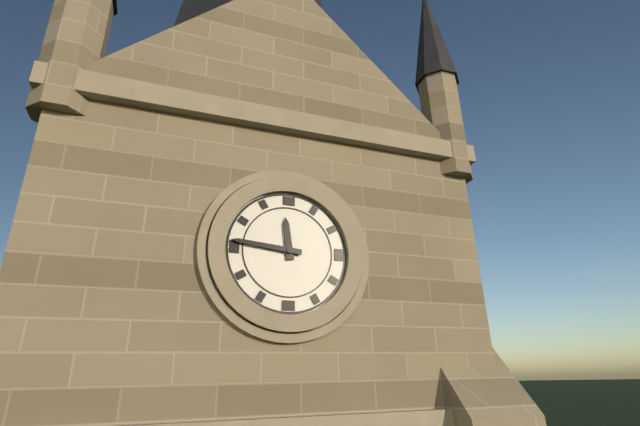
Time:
{"hour": 11, "minute": 46}
